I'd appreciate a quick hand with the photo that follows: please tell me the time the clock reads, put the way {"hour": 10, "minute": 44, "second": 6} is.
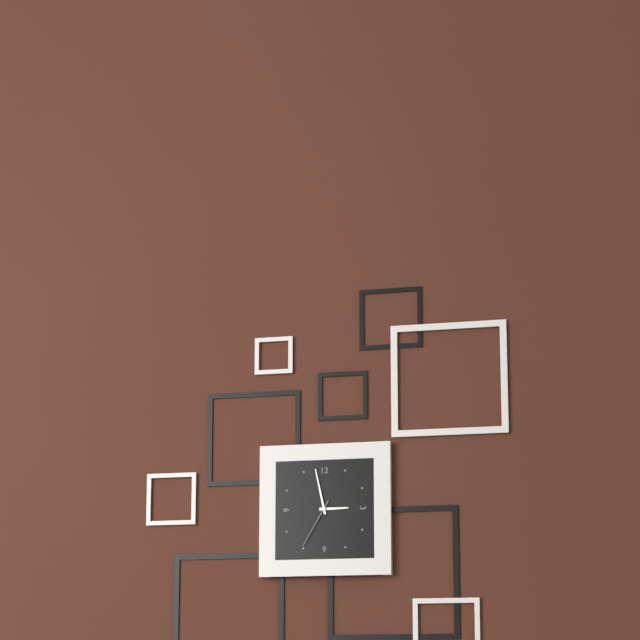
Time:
{"hour": 2, "minute": 58, "second": 35}
